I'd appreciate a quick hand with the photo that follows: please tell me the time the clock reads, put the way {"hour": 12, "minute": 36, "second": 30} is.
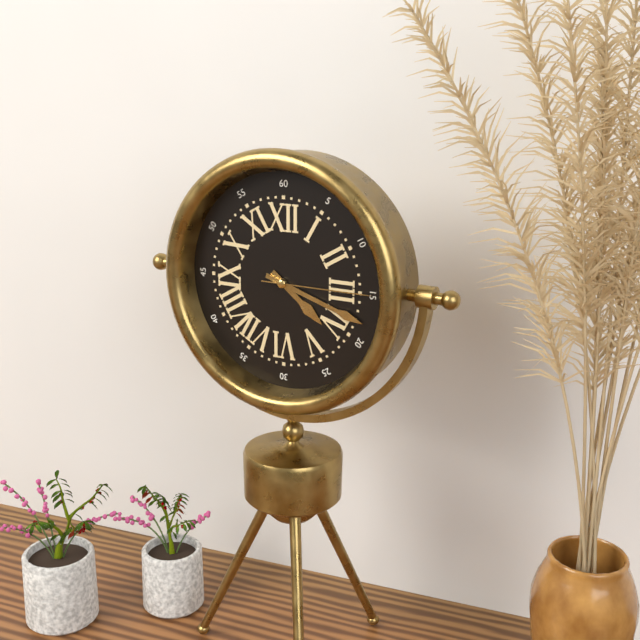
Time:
{"hour": 4, "minute": 18, "second": 15}
